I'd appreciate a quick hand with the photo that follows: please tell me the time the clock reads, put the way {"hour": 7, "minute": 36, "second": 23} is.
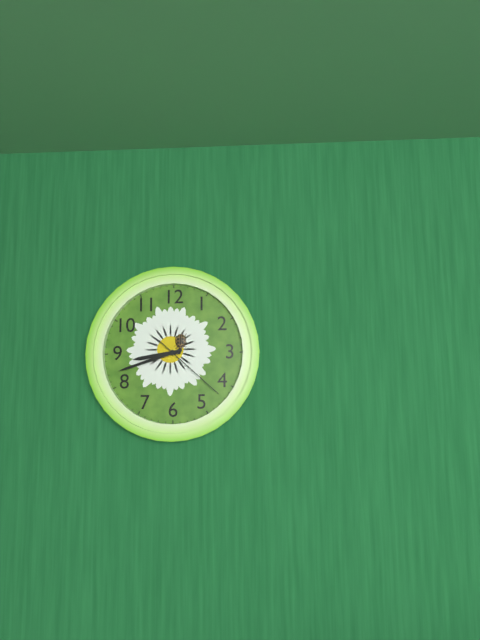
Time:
{"hour": 8, "minute": 42, "second": 22}
